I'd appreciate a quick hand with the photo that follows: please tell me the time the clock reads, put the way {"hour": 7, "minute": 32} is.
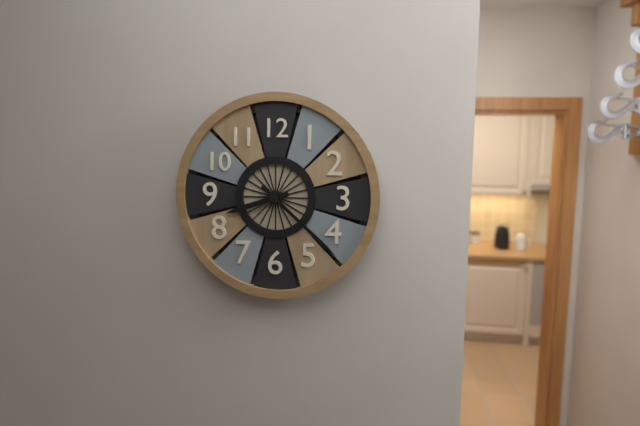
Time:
{"hour": 8, "minute": 22}
